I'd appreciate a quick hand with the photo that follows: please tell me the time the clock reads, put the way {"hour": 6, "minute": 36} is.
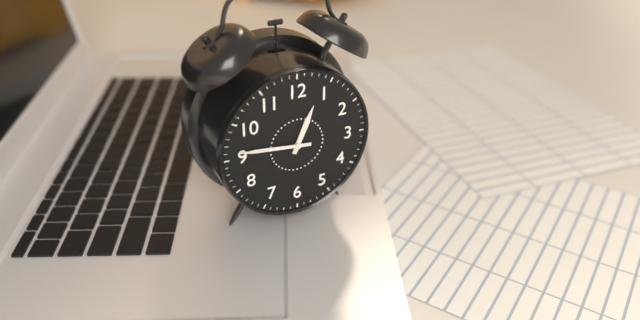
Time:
{"hour": 12, "minute": 46}
